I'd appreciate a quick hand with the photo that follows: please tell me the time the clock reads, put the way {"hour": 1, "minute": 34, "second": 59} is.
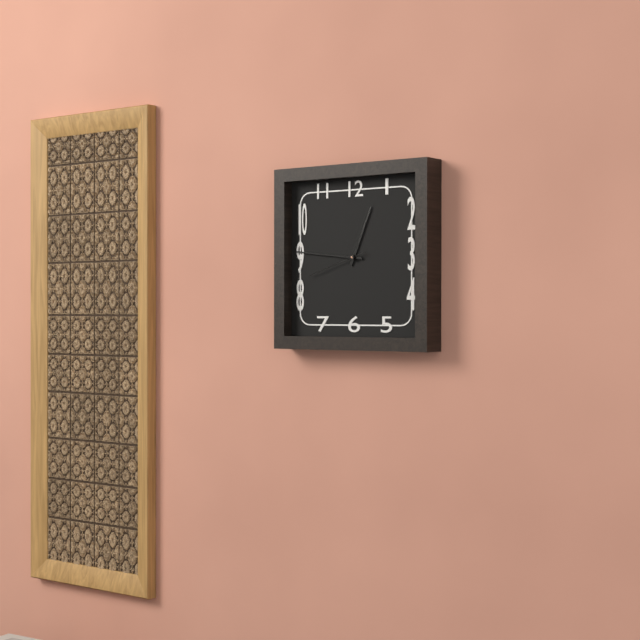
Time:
{"hour": 12, "minute": 46, "second": 42}
